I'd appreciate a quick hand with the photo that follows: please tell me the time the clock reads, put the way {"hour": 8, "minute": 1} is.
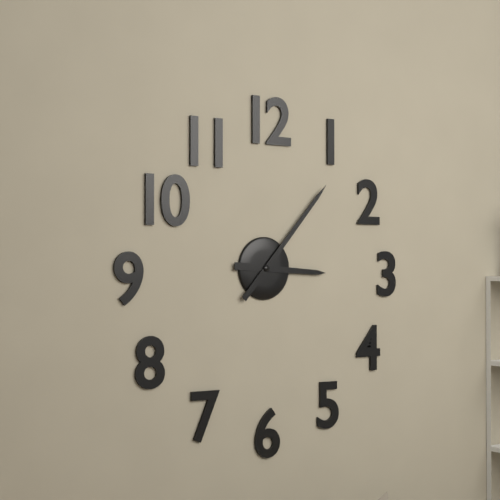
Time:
{"hour": 3, "minute": 7}
